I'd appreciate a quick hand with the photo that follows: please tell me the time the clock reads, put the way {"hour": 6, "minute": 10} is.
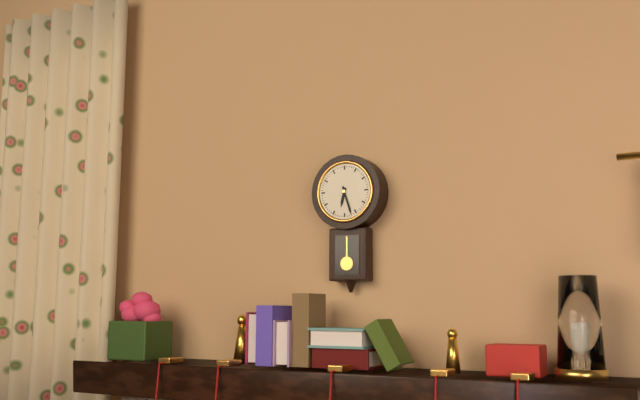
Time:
{"hour": 6, "minute": 27}
